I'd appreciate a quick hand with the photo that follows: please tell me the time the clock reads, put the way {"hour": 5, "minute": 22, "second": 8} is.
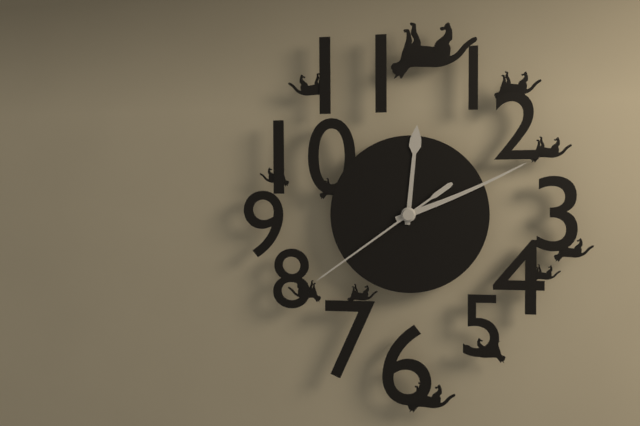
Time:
{"hour": 12, "minute": 11, "second": 39}
